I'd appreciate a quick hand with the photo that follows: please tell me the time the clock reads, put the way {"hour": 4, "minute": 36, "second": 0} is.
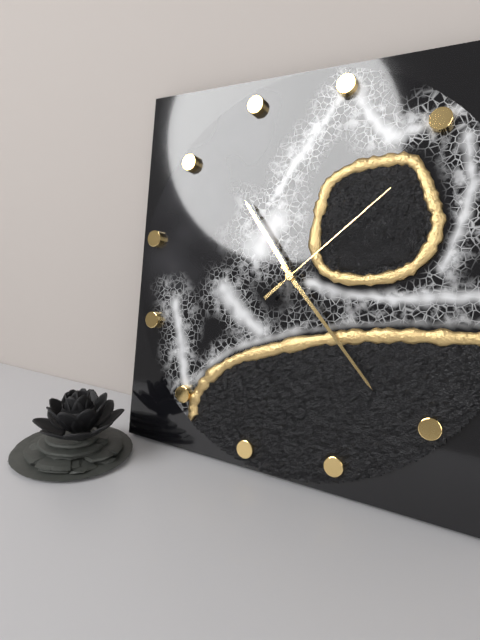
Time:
{"hour": 10, "minute": 21, "second": 6}
